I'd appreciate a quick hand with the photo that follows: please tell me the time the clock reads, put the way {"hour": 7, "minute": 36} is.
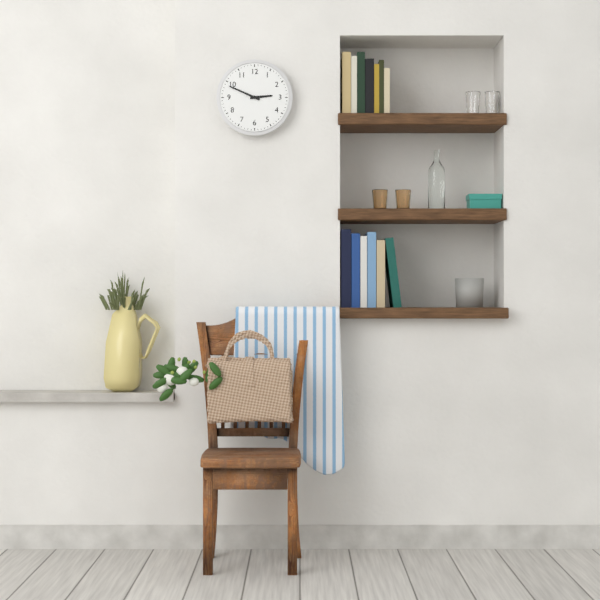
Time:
{"hour": 2, "minute": 49}
